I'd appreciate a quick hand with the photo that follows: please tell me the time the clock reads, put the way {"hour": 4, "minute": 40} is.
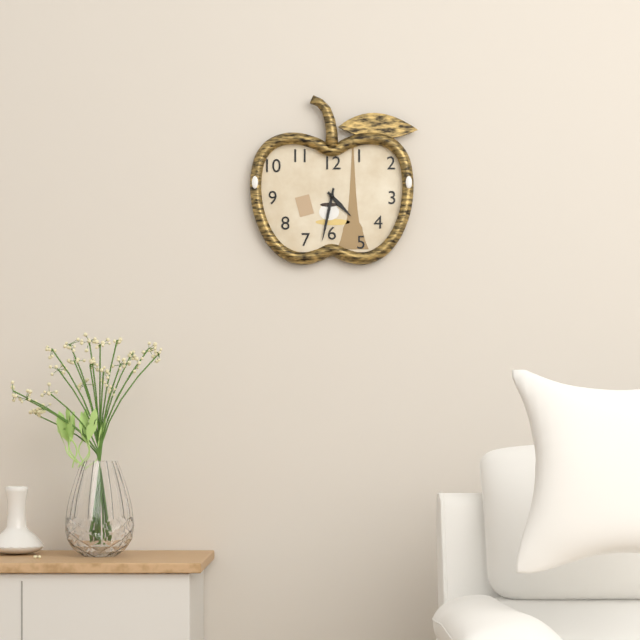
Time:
{"hour": 4, "minute": 32}
